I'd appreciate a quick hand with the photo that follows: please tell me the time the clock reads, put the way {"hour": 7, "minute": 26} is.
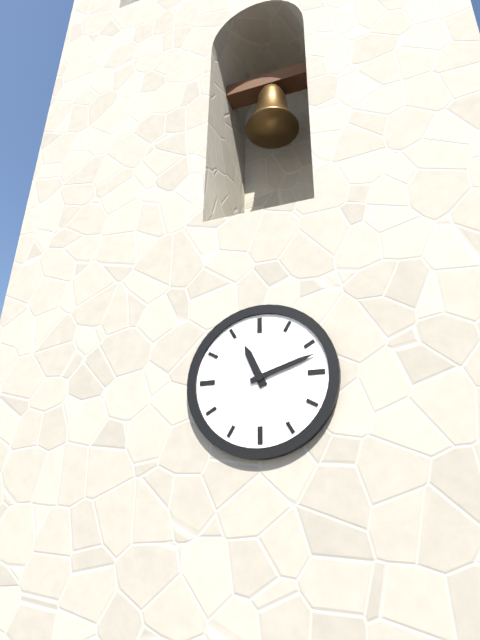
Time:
{"hour": 11, "minute": 12}
